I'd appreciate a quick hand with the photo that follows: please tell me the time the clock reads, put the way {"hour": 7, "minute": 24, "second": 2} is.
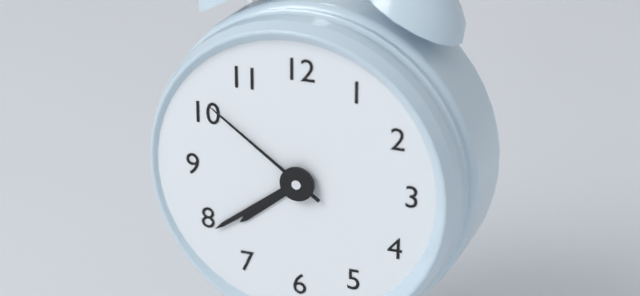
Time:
{"hour": 7, "minute": 39, "second": 51}
